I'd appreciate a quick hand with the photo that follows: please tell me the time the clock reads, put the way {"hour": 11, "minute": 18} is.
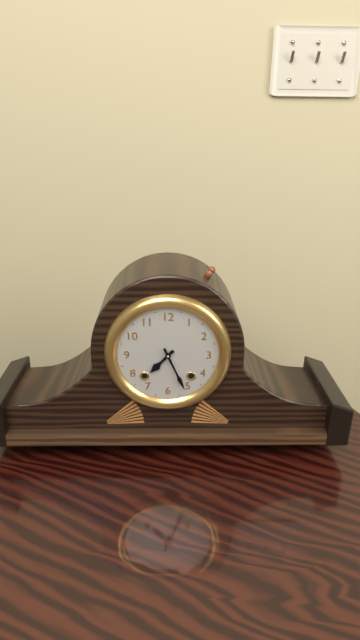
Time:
{"hour": 7, "minute": 26}
